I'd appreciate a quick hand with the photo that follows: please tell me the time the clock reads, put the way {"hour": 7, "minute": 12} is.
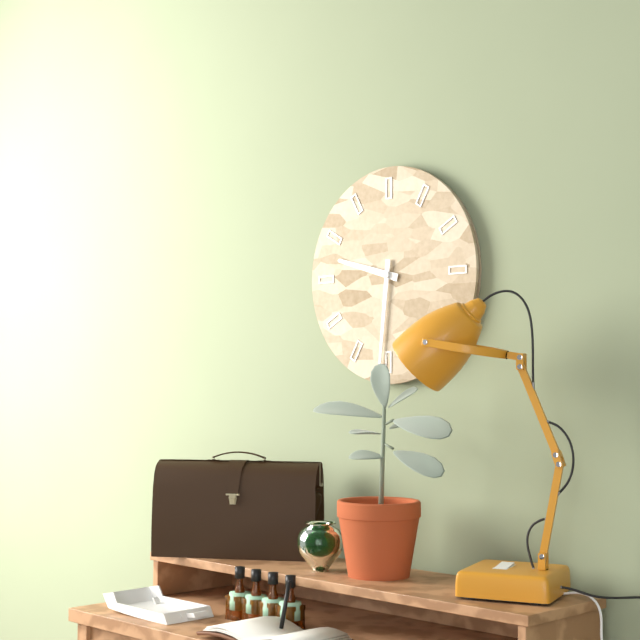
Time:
{"hour": 9, "minute": 31}
